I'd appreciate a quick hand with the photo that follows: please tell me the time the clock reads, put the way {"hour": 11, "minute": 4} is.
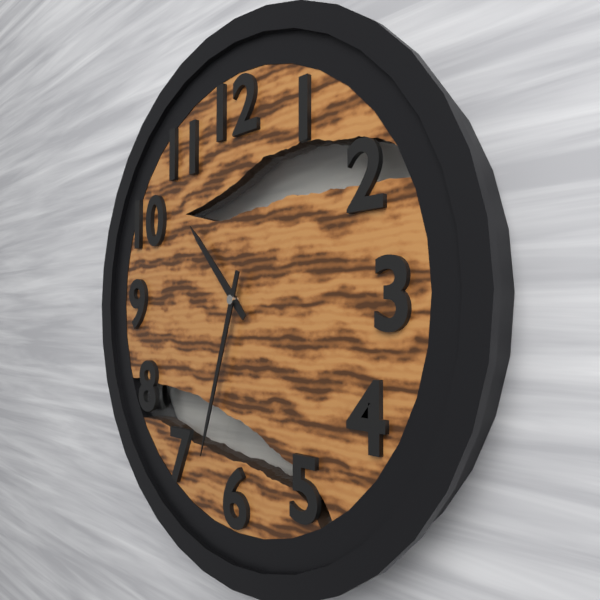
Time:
{"hour": 10, "minute": 33}
